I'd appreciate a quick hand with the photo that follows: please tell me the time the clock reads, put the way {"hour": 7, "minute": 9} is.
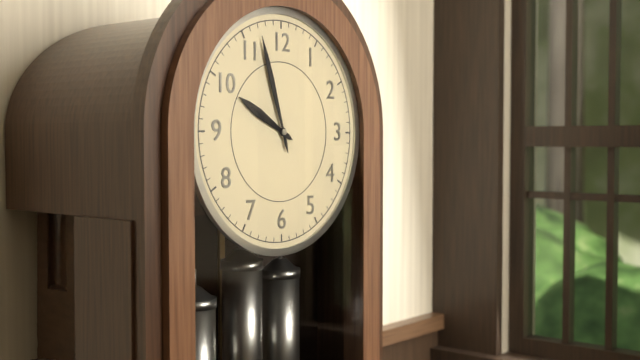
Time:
{"hour": 9, "minute": 57}
